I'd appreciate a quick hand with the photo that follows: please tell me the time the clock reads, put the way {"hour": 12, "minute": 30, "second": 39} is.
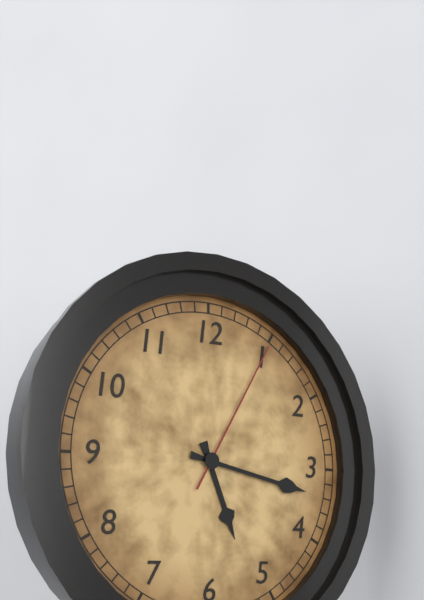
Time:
{"hour": 5, "minute": 17, "second": 5}
